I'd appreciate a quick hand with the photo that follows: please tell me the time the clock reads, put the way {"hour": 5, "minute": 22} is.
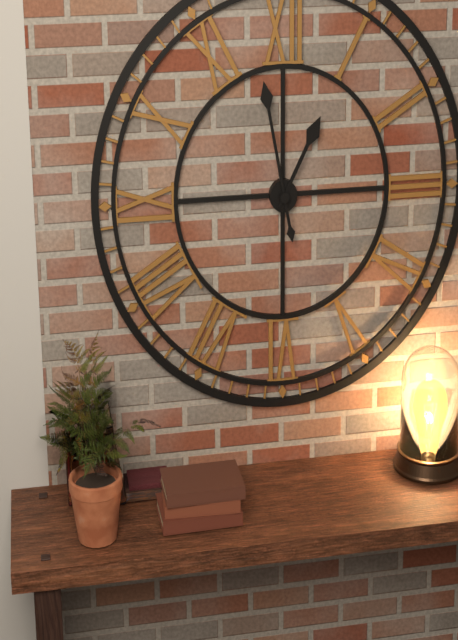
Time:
{"hour": 12, "minute": 58}
